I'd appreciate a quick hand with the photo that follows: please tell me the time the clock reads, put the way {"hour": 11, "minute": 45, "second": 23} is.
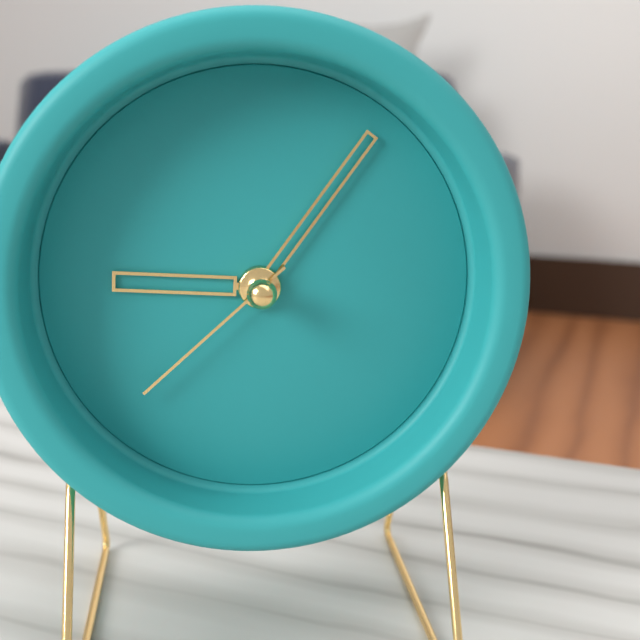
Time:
{"hour": 9, "minute": 6, "second": 38}
